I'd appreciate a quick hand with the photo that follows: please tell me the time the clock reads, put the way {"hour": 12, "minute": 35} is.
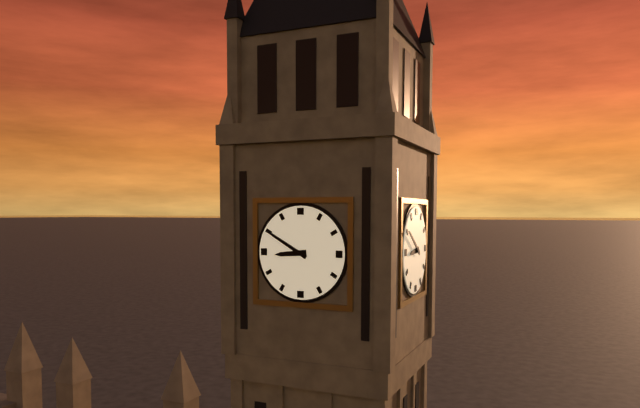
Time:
{"hour": 8, "minute": 50}
